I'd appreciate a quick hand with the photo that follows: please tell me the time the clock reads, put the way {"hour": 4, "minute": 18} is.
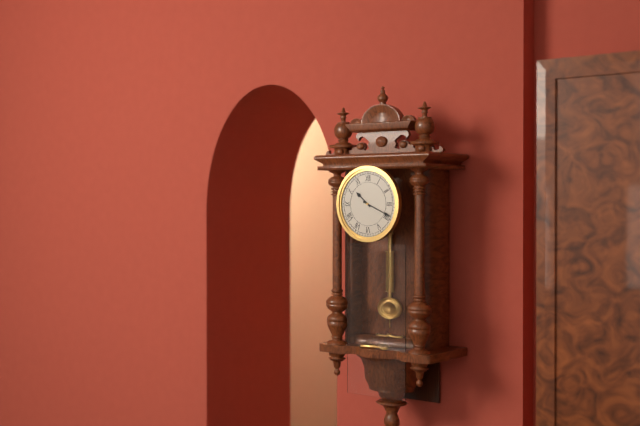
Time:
{"hour": 10, "minute": 19}
